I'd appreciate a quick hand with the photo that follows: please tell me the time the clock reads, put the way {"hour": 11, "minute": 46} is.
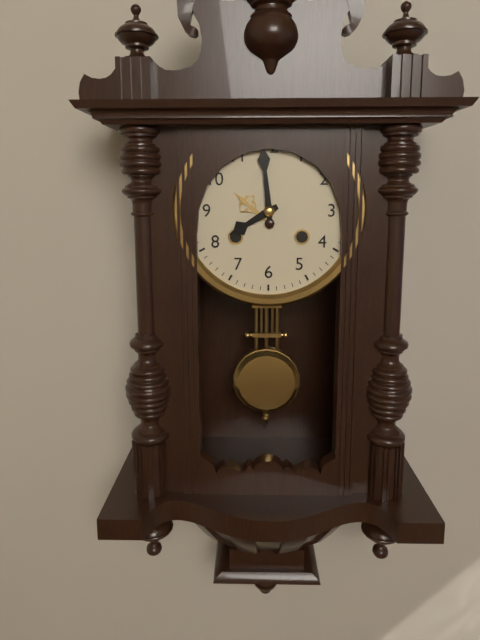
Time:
{"hour": 7, "minute": 59}
